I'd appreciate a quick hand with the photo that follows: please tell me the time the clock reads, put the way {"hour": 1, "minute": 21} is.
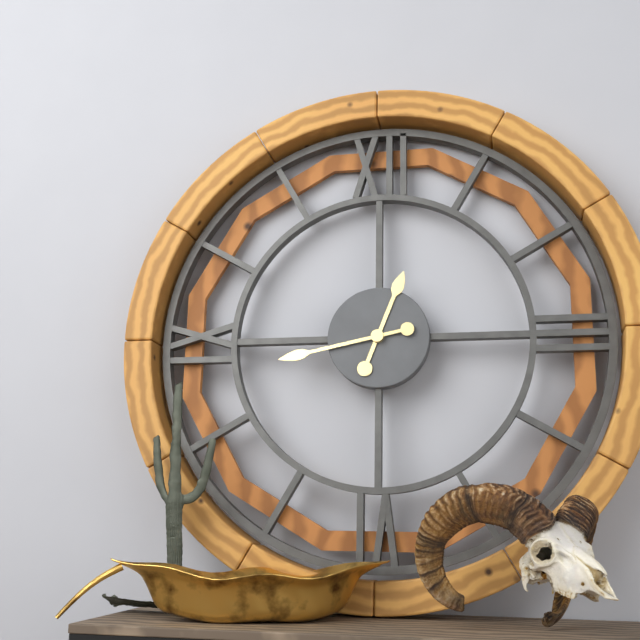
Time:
{"hour": 12, "minute": 43}
